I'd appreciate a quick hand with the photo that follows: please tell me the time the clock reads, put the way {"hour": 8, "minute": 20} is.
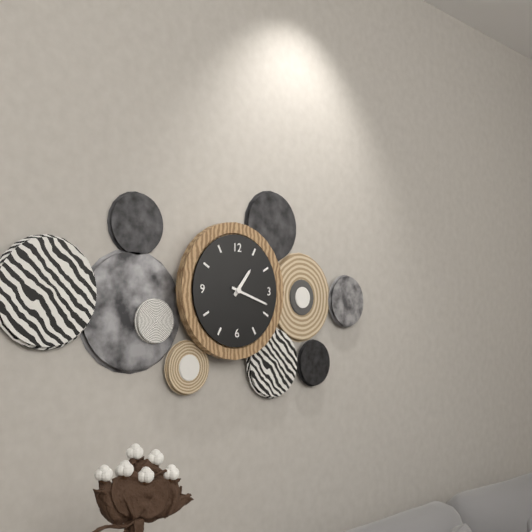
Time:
{"hour": 1, "minute": 18}
